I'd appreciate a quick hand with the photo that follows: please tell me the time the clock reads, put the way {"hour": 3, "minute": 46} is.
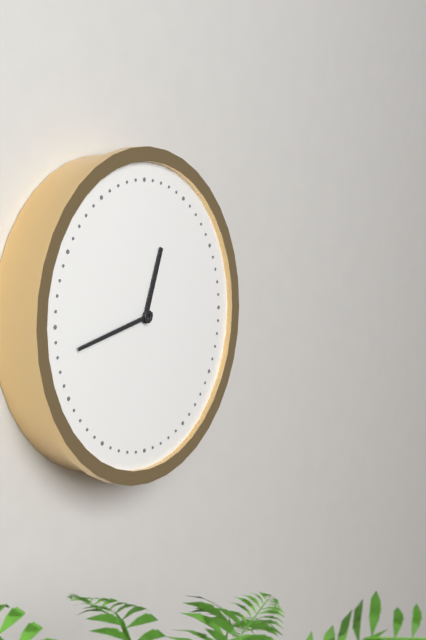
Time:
{"hour": 12, "minute": 43}
